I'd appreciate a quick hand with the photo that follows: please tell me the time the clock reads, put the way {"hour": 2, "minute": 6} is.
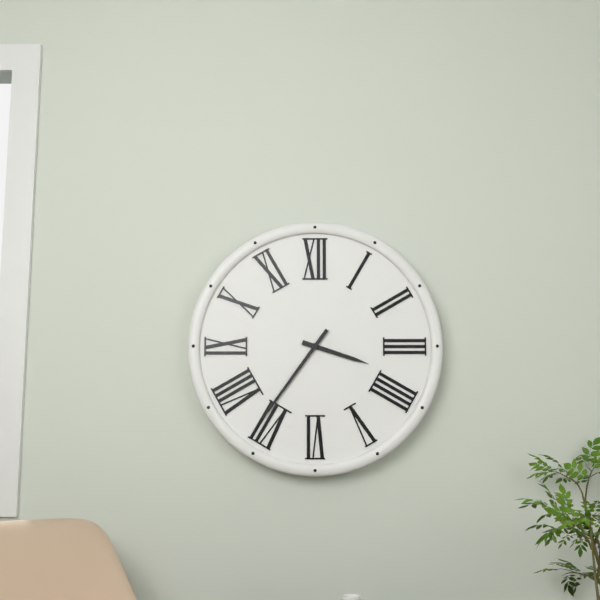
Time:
{"hour": 3, "minute": 36}
